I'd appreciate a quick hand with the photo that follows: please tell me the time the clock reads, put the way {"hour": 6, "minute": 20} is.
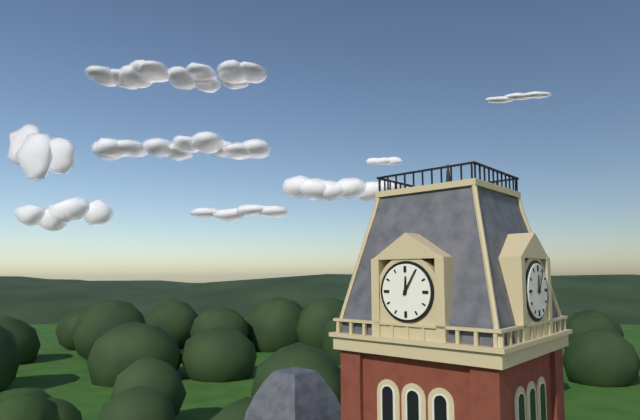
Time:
{"hour": 12, "minute": 5}
